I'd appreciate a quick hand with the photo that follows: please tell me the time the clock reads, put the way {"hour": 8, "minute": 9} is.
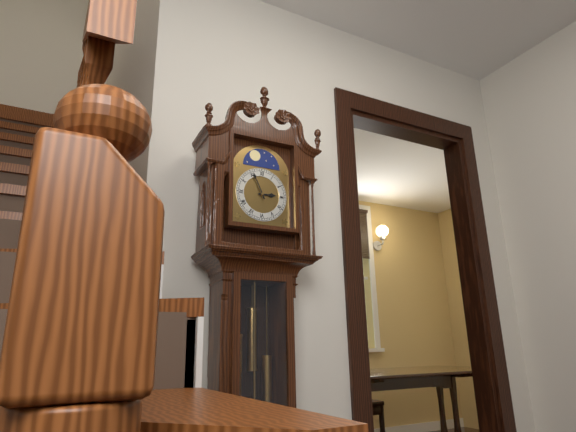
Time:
{"hour": 2, "minute": 56}
